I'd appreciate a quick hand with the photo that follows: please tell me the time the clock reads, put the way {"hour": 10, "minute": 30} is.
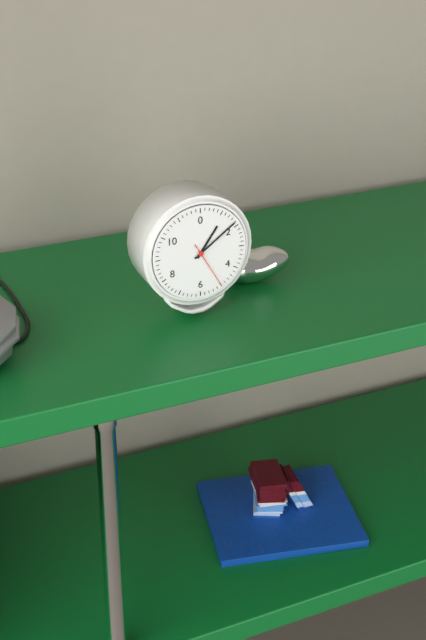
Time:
{"hour": 1, "minute": 9}
